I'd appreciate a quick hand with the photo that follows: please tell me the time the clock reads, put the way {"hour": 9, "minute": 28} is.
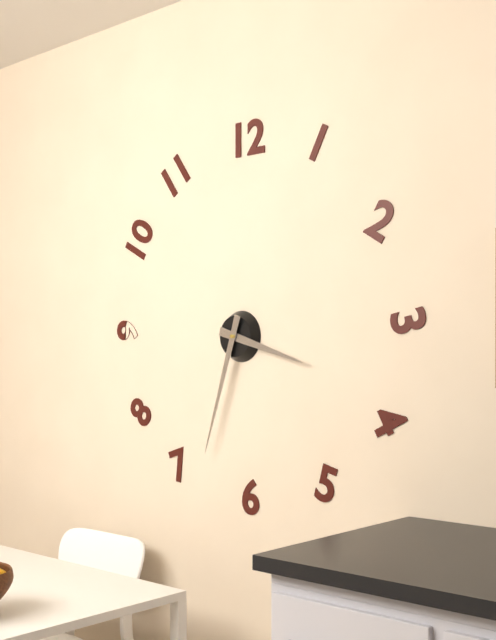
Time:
{"hour": 3, "minute": 33}
